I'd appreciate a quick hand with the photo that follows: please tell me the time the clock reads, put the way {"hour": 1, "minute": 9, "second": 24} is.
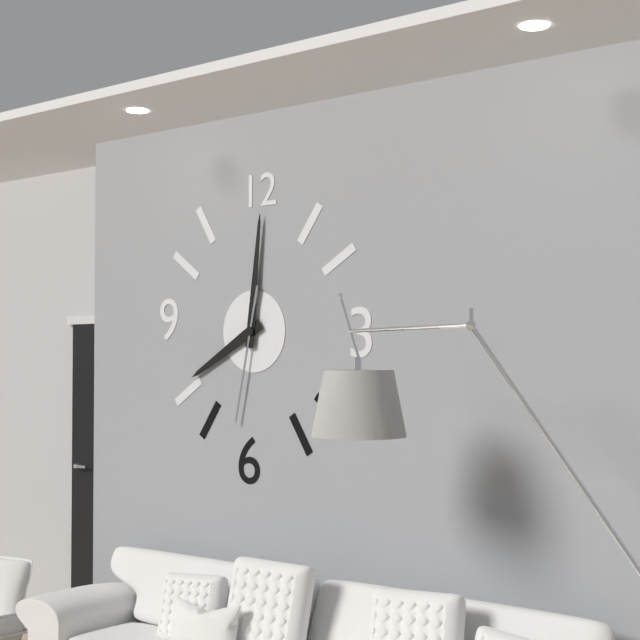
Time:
{"hour": 8, "minute": 1, "second": 32}
